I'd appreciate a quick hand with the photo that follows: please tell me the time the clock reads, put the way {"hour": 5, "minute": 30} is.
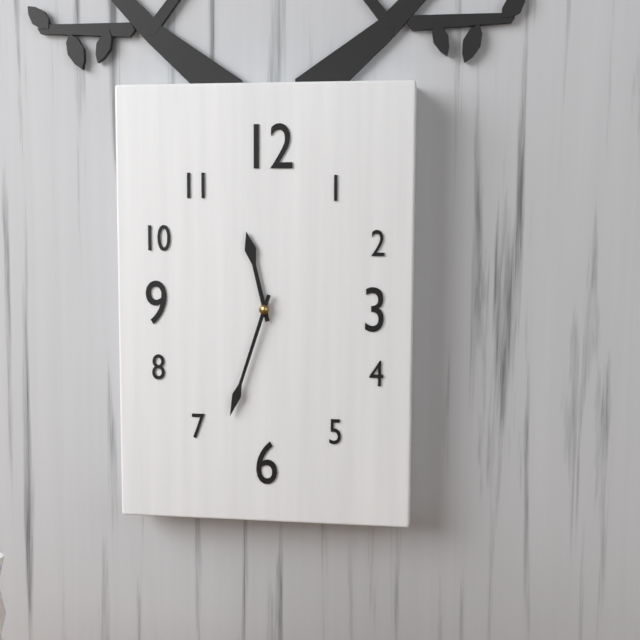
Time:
{"hour": 11, "minute": 33}
